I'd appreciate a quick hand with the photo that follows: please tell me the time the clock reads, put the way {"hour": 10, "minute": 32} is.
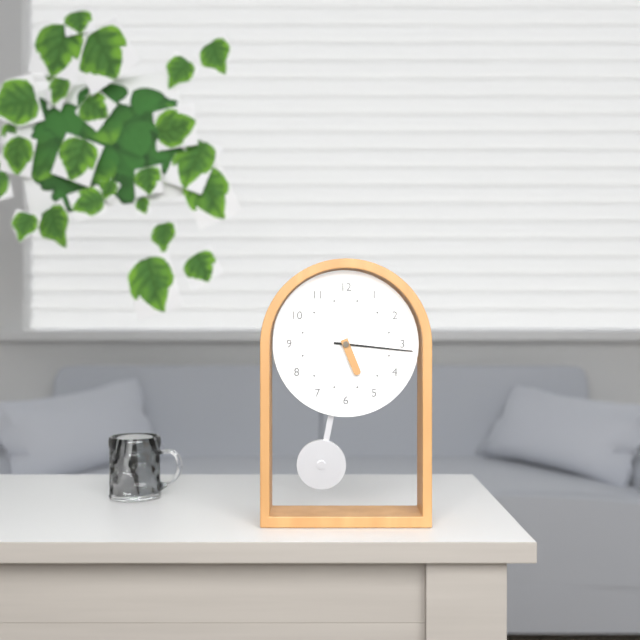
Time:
{"hour": 5, "minute": 16}
